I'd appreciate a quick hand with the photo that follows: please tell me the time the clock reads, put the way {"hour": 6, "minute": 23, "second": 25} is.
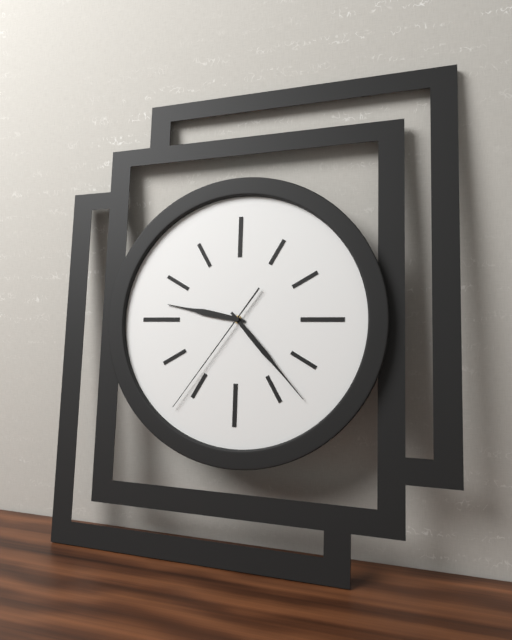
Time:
{"hour": 9, "minute": 23, "second": 36}
